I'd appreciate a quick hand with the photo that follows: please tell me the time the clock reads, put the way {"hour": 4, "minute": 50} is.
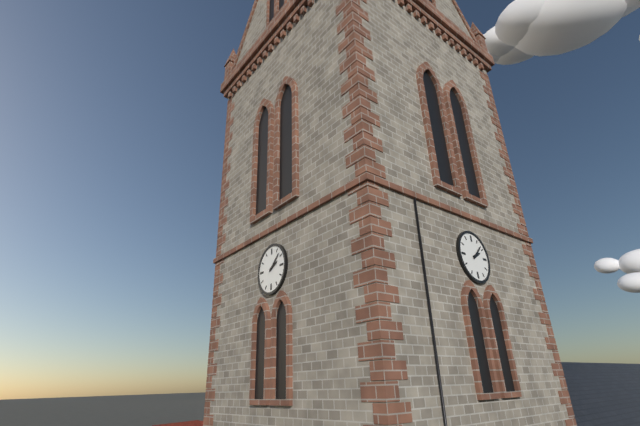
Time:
{"hour": 2, "minute": 8}
